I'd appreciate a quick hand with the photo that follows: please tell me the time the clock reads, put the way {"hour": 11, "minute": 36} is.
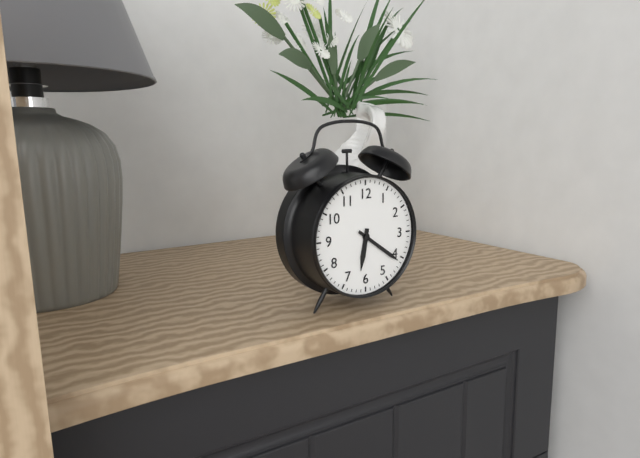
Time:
{"hour": 6, "minute": 21}
